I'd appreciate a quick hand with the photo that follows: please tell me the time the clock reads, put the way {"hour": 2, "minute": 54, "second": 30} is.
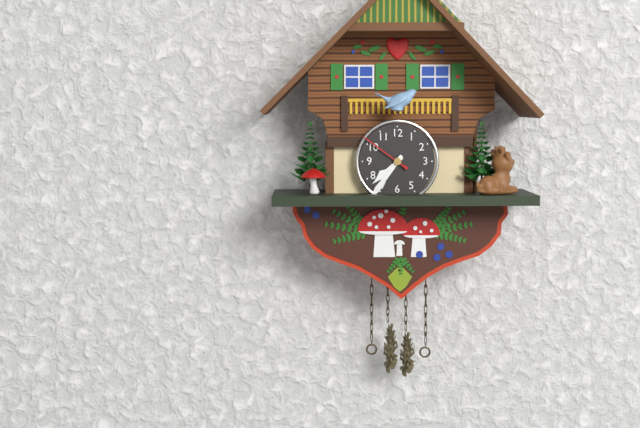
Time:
{"hour": 7, "minute": 36, "second": 51}
